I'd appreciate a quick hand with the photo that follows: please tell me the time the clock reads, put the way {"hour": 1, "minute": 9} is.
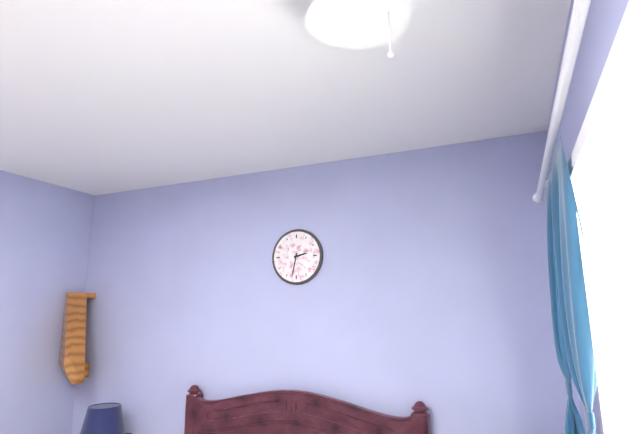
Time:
{"hour": 2, "minute": 32}
